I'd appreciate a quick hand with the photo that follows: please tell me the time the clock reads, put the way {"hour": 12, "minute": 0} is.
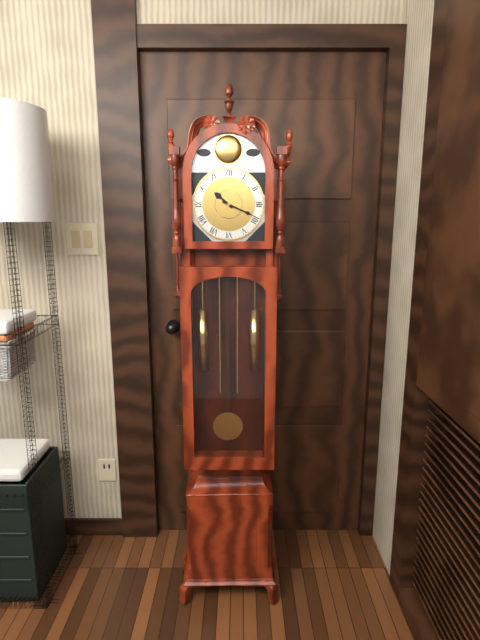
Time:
{"hour": 10, "minute": 19}
